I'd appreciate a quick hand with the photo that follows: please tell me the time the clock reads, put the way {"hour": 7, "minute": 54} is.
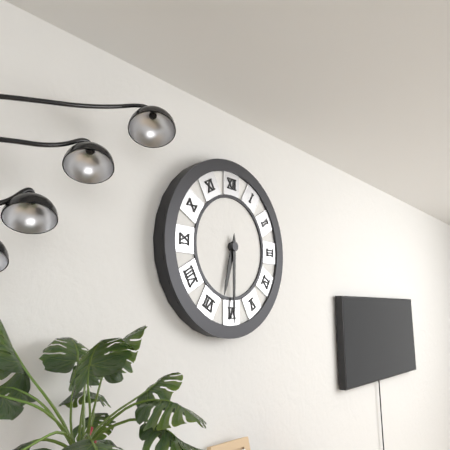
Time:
{"hour": 6, "minute": 30}
